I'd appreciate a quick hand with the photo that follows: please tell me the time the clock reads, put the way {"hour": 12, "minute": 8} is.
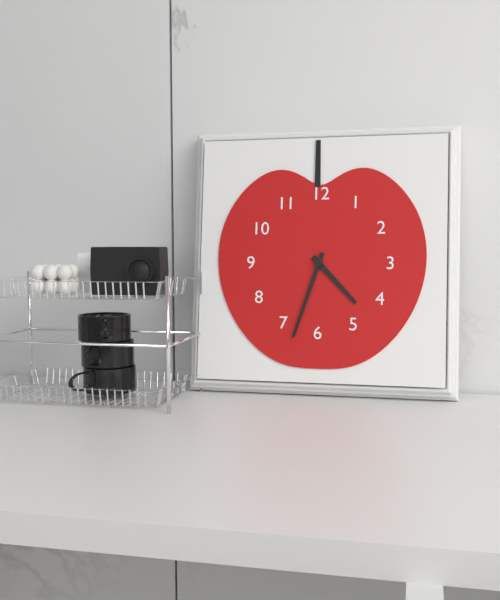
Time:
{"hour": 4, "minute": 33}
